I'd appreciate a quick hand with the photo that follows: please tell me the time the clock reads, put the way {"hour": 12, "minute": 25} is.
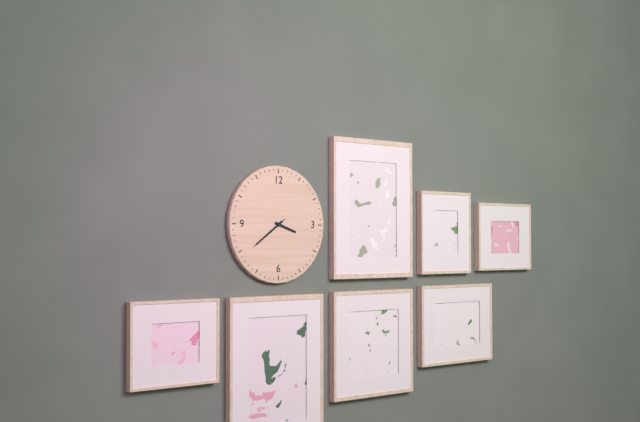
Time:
{"hour": 3, "minute": 39}
